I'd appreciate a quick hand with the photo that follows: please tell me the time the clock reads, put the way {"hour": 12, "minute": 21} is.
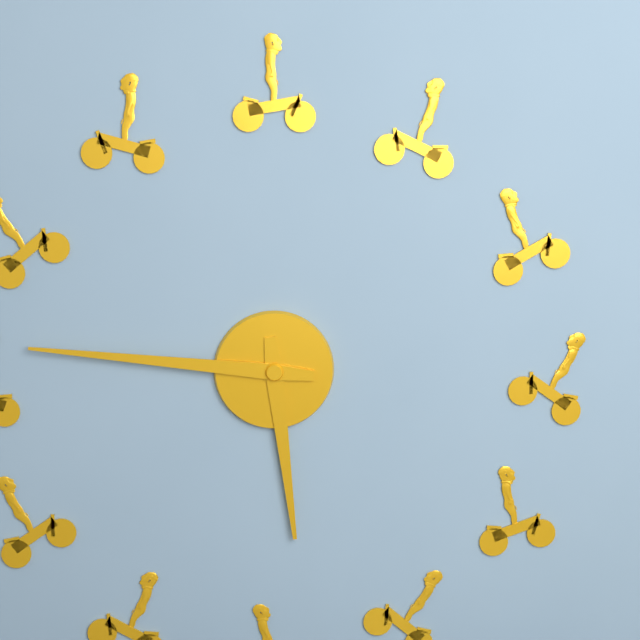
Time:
{"hour": 5, "minute": 46}
